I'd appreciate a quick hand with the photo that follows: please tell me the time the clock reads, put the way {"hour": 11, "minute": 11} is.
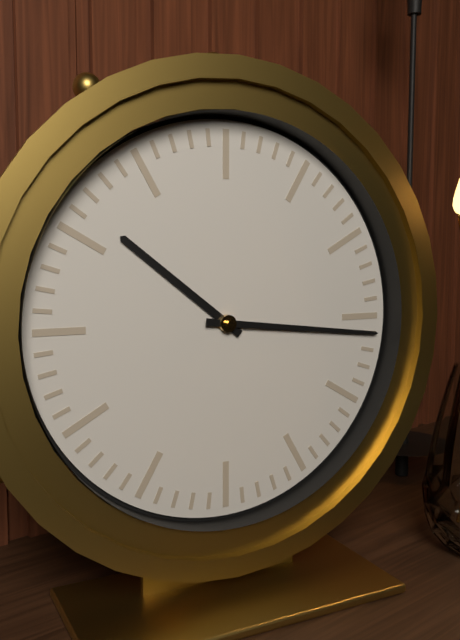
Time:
{"hour": 10, "minute": 16}
